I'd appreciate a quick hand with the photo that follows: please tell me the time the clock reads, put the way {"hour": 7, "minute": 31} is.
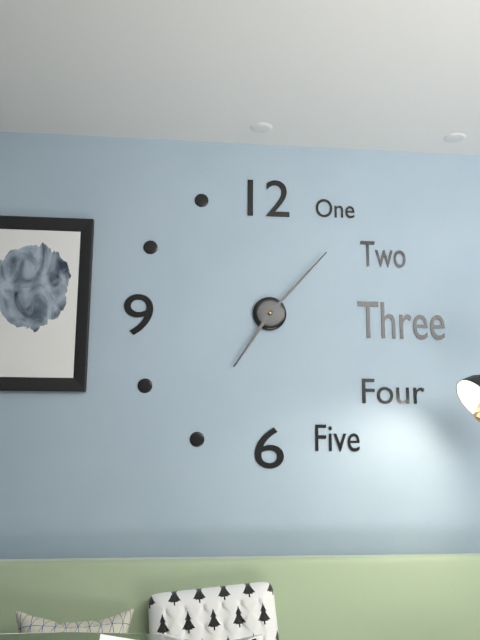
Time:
{"hour": 7, "minute": 7}
